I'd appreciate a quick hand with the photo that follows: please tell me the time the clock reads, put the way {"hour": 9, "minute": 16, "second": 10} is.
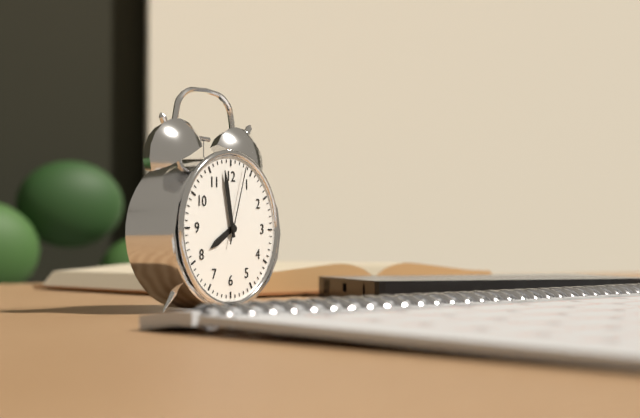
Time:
{"hour": 7, "minute": 58, "second": 3}
